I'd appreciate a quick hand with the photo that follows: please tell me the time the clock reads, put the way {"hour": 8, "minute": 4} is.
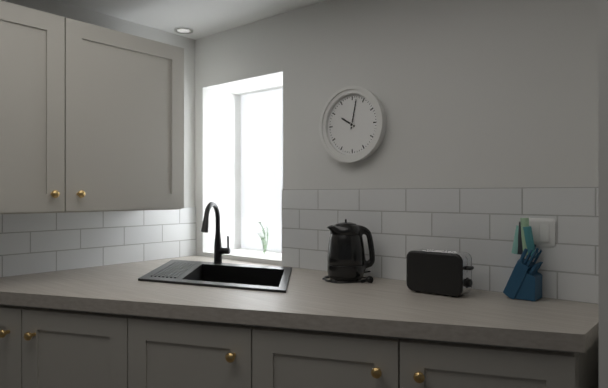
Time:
{"hour": 10, "minute": 2}
